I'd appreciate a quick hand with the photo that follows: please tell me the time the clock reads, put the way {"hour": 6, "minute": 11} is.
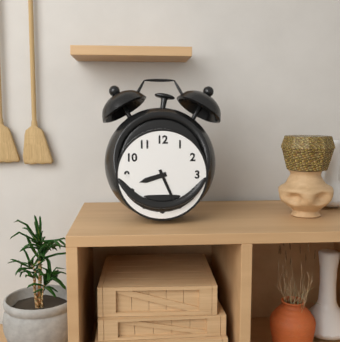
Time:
{"hour": 8, "minute": 26}
